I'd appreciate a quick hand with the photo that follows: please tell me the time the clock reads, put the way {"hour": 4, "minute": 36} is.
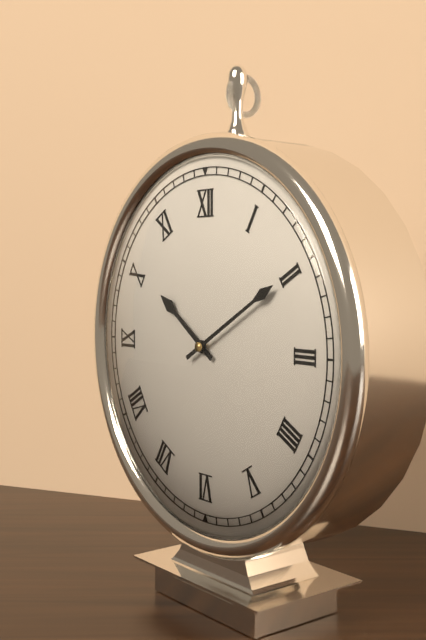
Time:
{"hour": 10, "minute": 10}
